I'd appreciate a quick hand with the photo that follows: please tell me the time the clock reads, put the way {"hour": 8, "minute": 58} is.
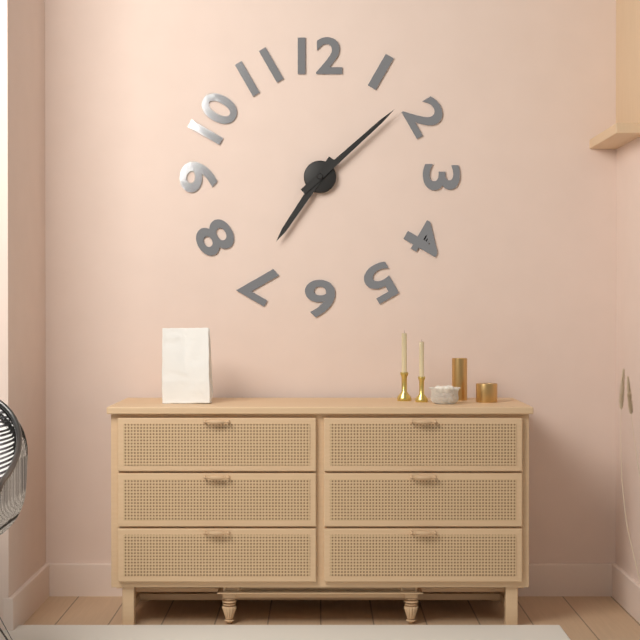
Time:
{"hour": 7, "minute": 8}
